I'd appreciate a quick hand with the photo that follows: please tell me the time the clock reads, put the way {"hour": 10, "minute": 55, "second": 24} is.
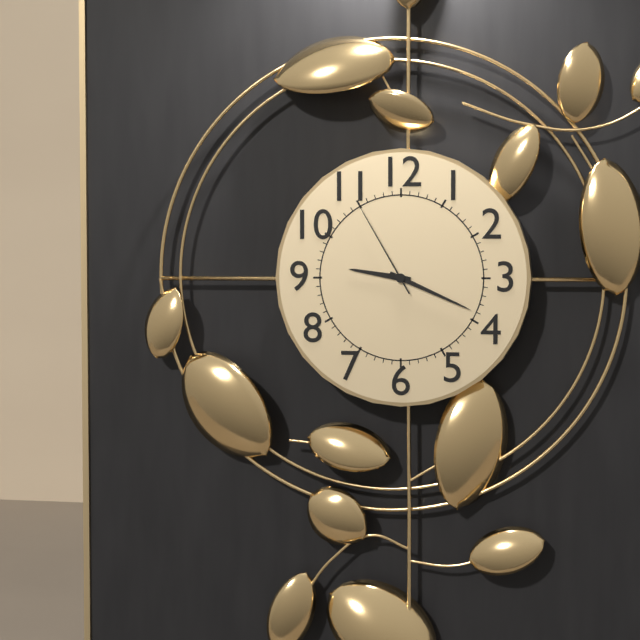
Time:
{"hour": 9, "minute": 19, "second": 55}
